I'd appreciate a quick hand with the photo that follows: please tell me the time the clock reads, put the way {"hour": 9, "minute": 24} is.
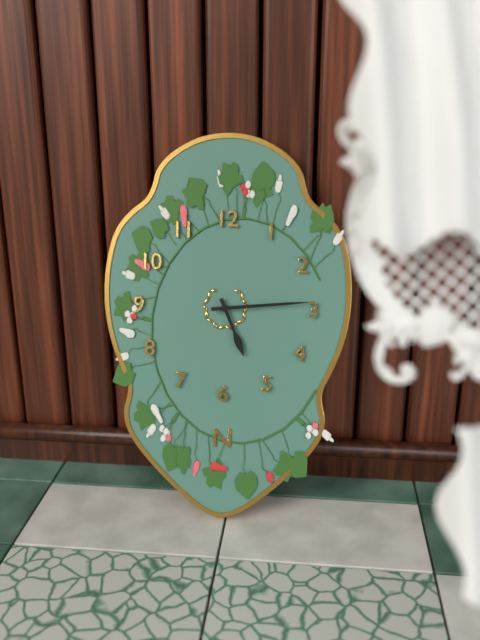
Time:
{"hour": 5, "minute": 14}
